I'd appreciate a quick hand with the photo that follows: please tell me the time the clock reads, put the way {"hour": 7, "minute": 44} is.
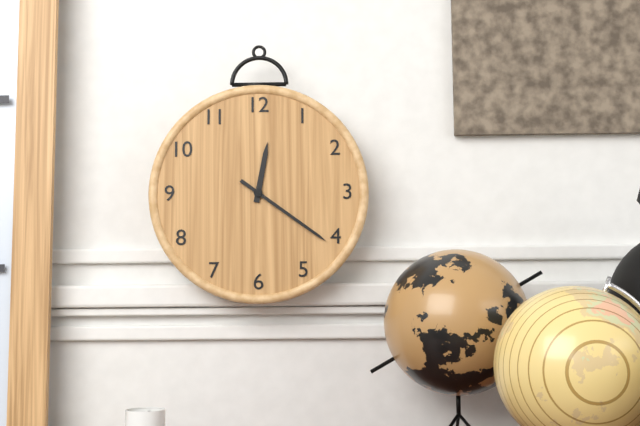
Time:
{"hour": 12, "minute": 21}
